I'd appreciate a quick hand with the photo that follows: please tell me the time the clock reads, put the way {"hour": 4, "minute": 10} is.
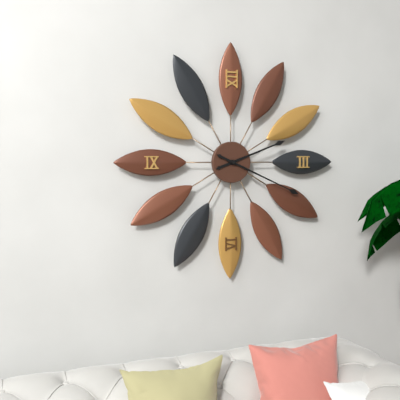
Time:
{"hour": 2, "minute": 19}
